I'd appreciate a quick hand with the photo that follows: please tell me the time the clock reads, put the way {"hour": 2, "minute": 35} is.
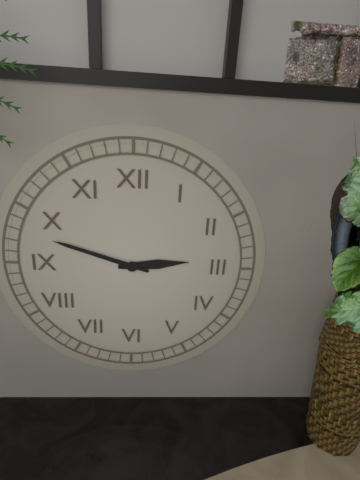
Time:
{"hour": 2, "minute": 48}
